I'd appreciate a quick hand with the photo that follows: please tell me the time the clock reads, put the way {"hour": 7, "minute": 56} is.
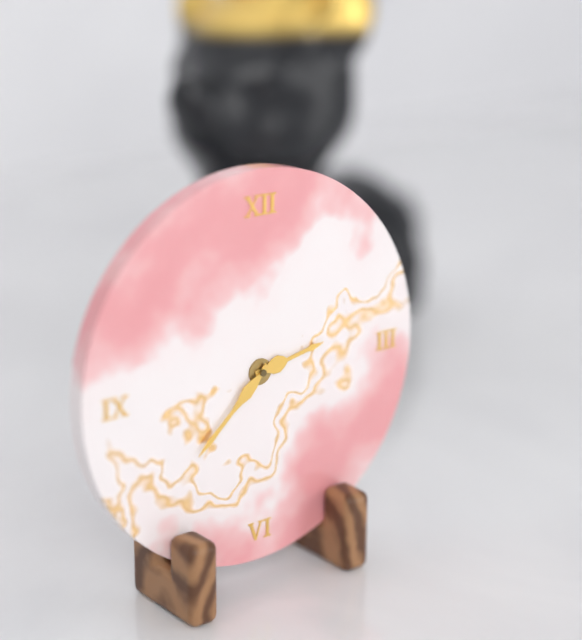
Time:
{"hour": 2, "minute": 38}
